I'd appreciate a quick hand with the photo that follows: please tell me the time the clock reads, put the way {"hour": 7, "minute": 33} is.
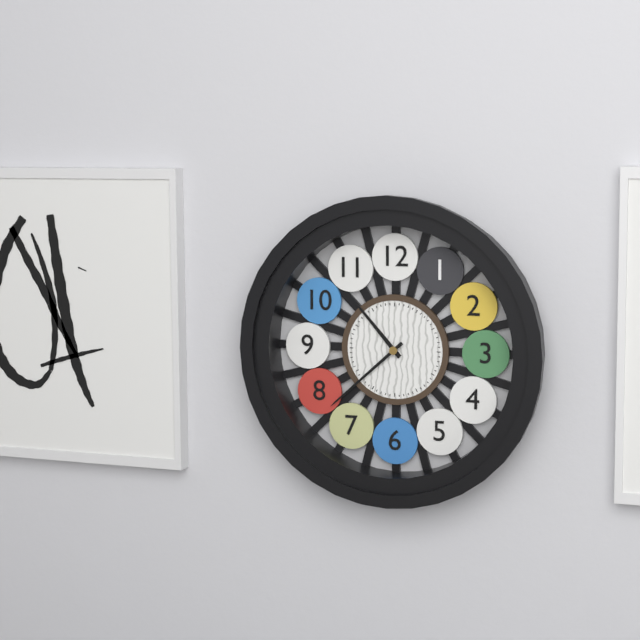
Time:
{"hour": 10, "minute": 38}
